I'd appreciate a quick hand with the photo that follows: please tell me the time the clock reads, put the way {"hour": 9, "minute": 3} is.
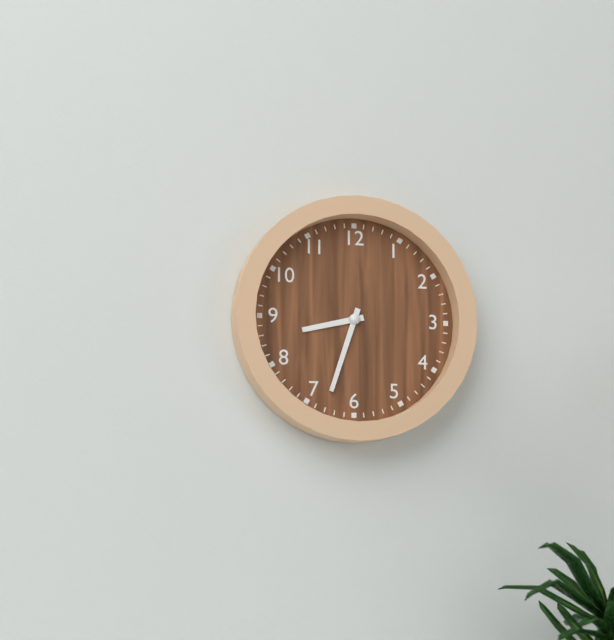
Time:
{"hour": 8, "minute": 33}
